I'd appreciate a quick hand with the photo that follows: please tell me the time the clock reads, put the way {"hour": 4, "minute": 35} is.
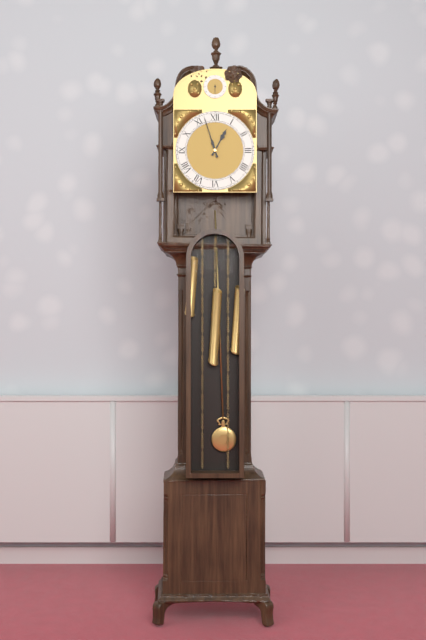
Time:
{"hour": 12, "minute": 57}
